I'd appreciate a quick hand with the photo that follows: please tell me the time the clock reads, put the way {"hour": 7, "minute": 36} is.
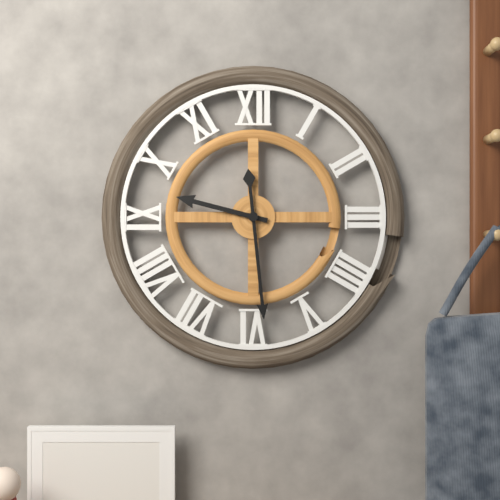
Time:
{"hour": 9, "minute": 29}
